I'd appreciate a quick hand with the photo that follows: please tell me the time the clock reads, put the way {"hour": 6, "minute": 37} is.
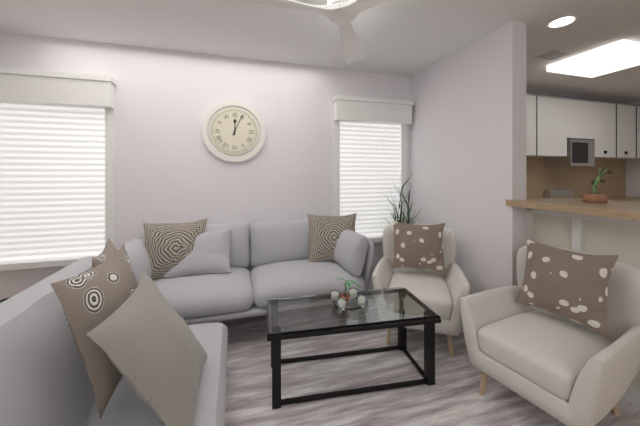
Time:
{"hour": 12, "minute": 4}
